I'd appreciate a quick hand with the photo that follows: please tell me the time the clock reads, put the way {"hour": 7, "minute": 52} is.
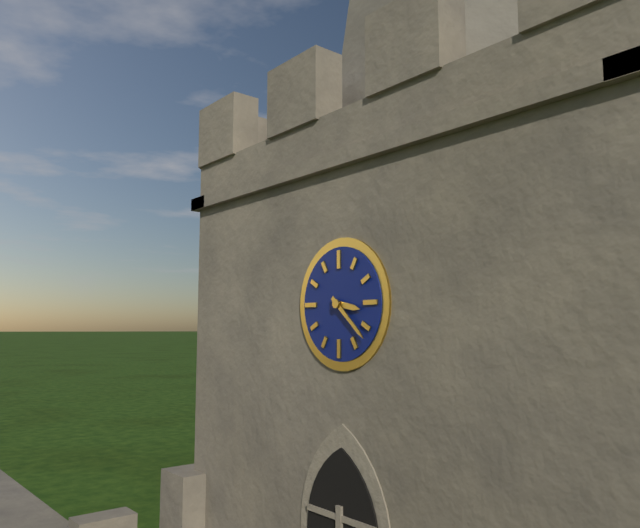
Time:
{"hour": 3, "minute": 22}
